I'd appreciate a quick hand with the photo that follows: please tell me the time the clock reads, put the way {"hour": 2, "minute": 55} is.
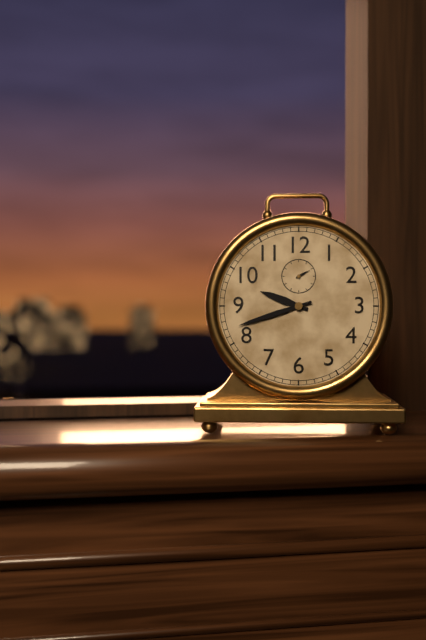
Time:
{"hour": 9, "minute": 42}
